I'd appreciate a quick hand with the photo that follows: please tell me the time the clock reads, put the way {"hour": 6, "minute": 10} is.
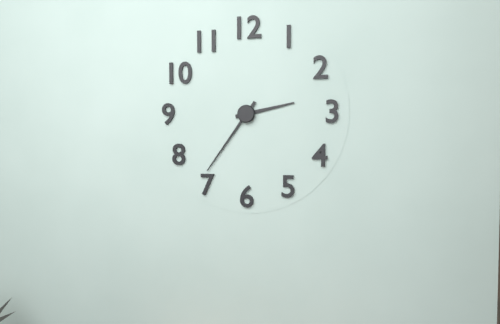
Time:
{"hour": 2, "minute": 36}
